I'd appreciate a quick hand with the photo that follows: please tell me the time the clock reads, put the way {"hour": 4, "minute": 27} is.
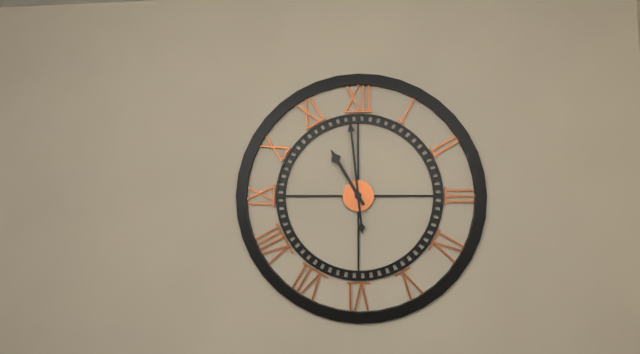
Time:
{"hour": 10, "minute": 59}
